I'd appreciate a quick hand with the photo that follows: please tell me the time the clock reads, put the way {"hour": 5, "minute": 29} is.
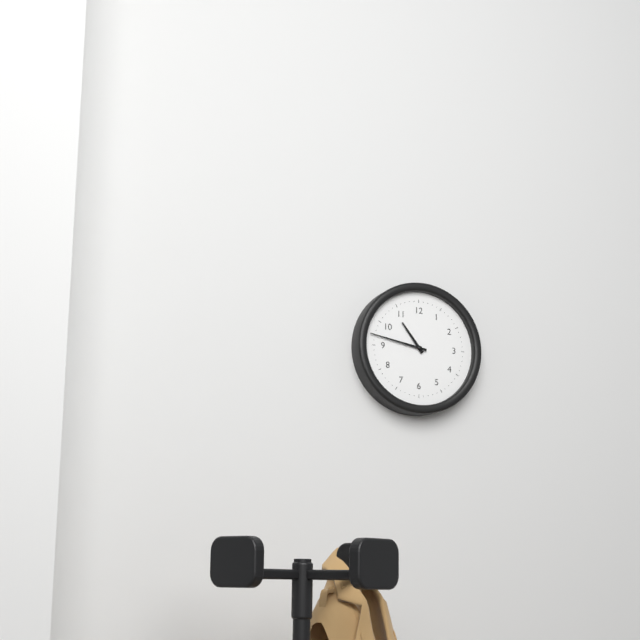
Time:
{"hour": 10, "minute": 47}
